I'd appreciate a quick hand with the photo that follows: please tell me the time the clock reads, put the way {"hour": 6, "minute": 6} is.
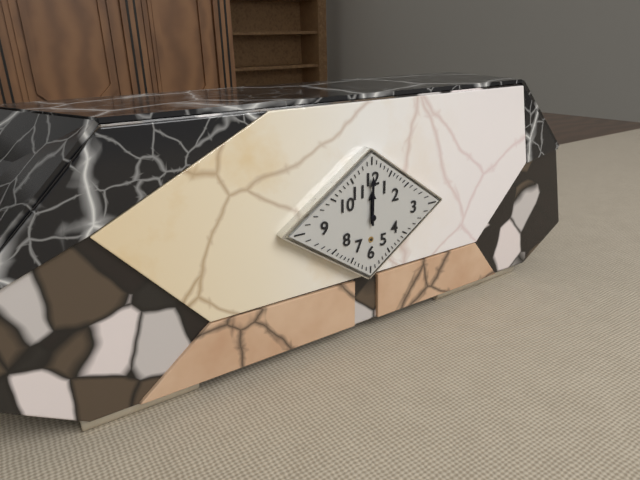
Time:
{"hour": 12, "minute": 0}
